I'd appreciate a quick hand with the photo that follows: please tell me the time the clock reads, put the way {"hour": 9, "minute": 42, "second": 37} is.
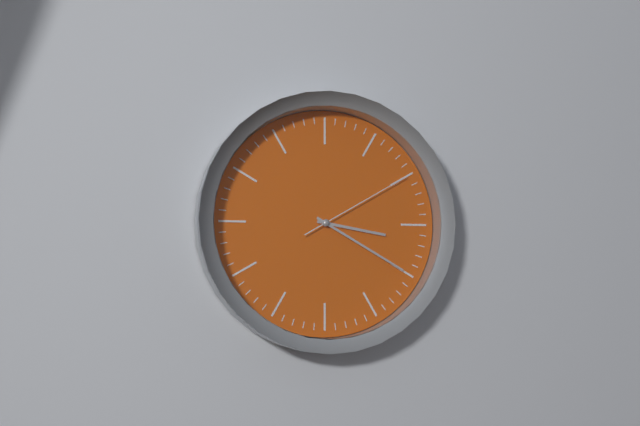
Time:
{"hour": 3, "minute": 20, "second": 10}
